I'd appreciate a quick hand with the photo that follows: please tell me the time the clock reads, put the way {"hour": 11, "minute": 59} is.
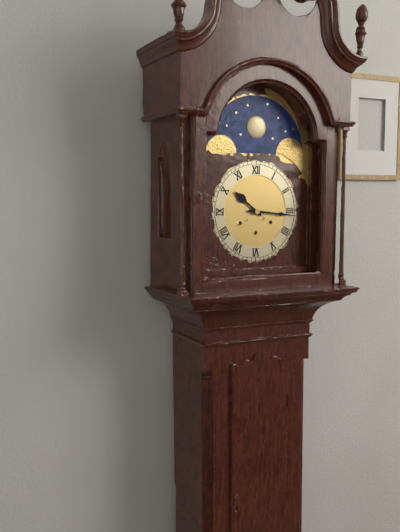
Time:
{"hour": 10, "minute": 16}
